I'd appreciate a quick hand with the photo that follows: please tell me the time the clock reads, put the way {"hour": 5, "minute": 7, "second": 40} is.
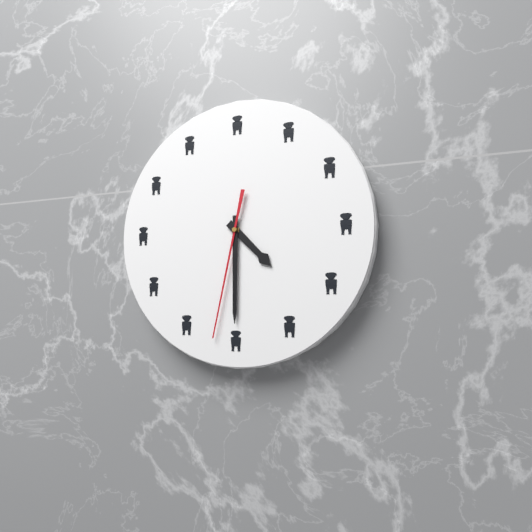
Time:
{"hour": 4, "minute": 30, "second": 32}
